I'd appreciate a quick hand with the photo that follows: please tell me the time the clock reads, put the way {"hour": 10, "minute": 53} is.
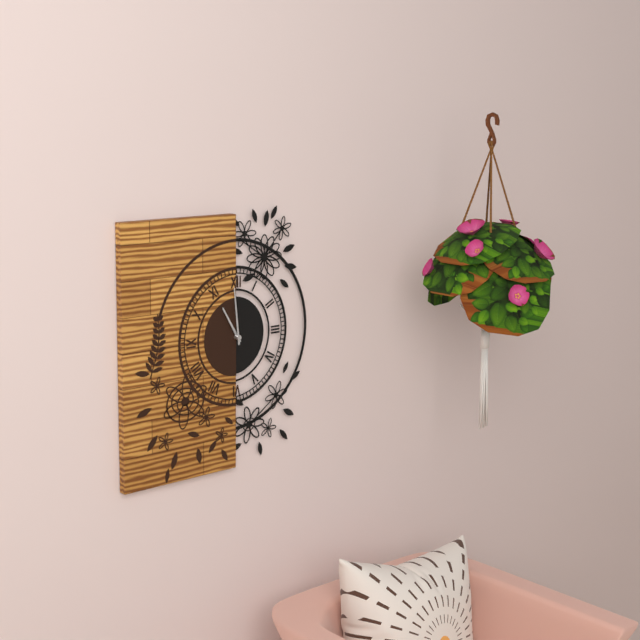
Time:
{"hour": 10, "minute": 59}
